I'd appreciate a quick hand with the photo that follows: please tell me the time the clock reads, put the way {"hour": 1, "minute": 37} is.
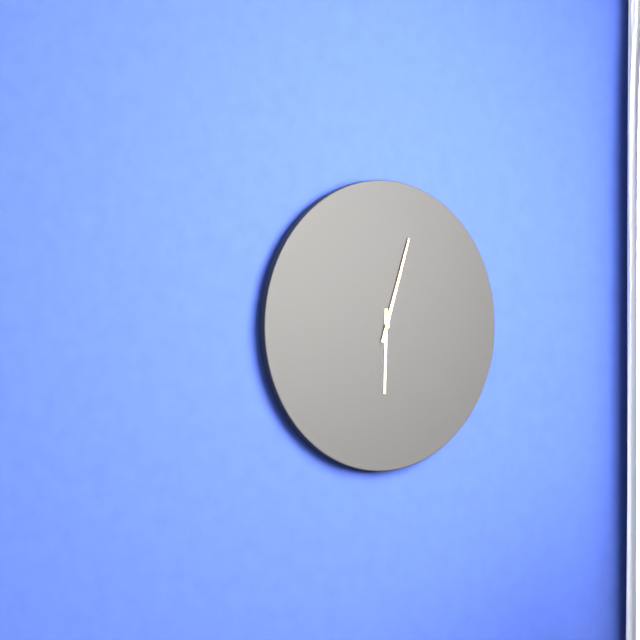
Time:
{"hour": 6, "minute": 3}
